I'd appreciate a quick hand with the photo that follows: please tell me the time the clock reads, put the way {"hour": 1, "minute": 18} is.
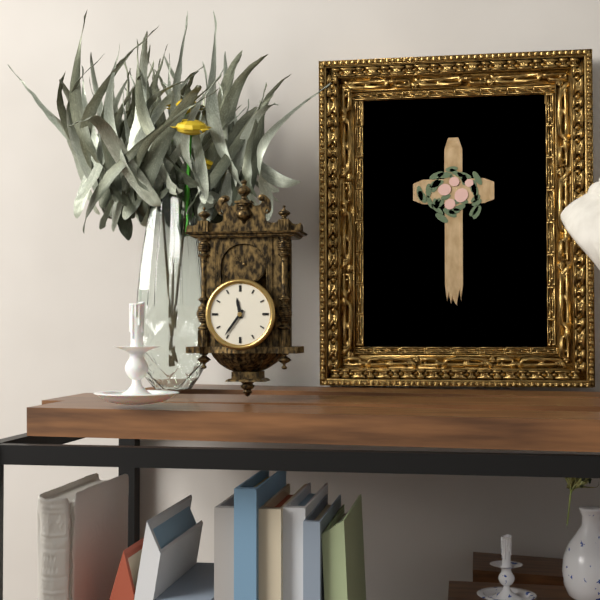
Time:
{"hour": 11, "minute": 36}
